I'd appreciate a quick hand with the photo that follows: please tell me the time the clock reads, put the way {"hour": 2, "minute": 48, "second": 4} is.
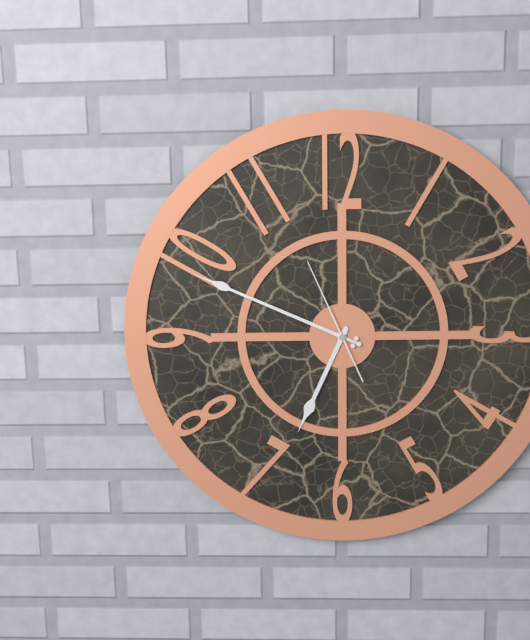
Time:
{"hour": 6, "minute": 49, "second": 56}
